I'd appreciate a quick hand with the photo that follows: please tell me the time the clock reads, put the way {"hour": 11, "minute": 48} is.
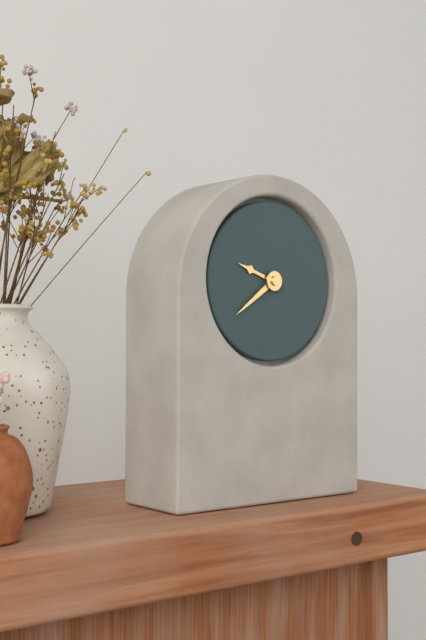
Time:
{"hour": 9, "minute": 39}
